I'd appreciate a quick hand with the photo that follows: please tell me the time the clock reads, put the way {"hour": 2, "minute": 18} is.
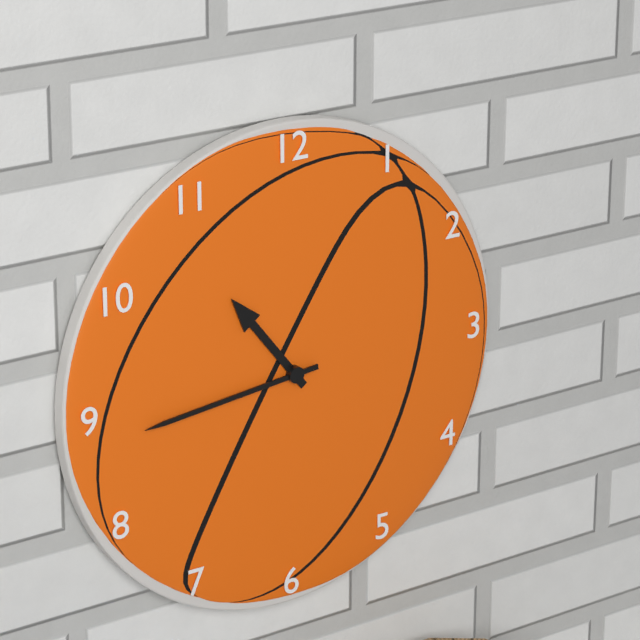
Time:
{"hour": 10, "minute": 44}
